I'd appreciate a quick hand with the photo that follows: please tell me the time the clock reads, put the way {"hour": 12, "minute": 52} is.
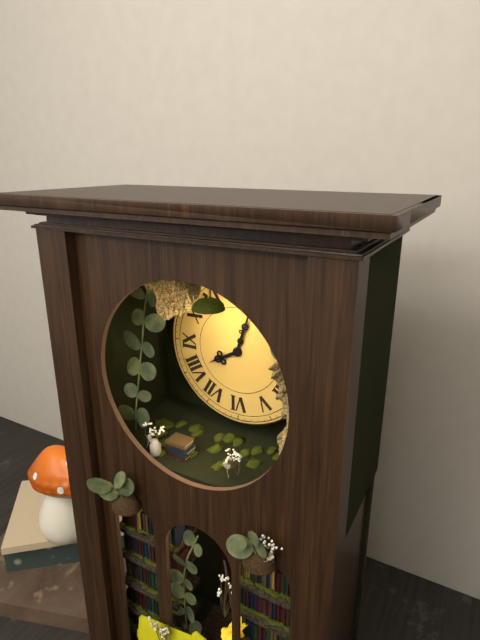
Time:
{"hour": 8, "minute": 3}
